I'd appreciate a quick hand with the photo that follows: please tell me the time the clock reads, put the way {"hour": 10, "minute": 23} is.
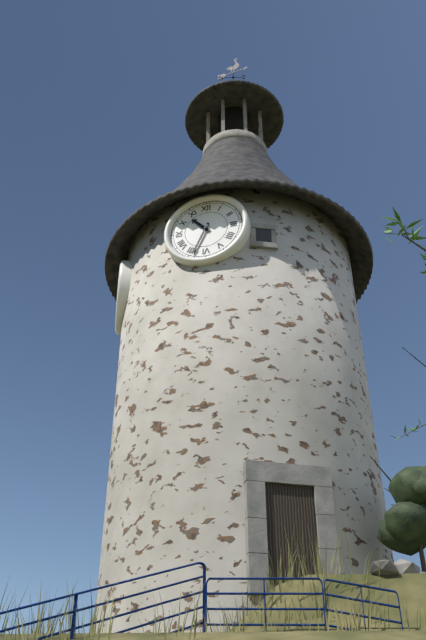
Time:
{"hour": 10, "minute": 34}
